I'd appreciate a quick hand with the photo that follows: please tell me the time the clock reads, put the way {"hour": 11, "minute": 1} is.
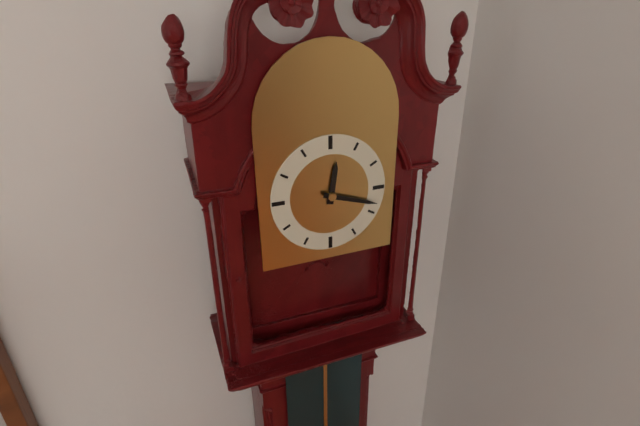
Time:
{"hour": 12, "minute": 18}
